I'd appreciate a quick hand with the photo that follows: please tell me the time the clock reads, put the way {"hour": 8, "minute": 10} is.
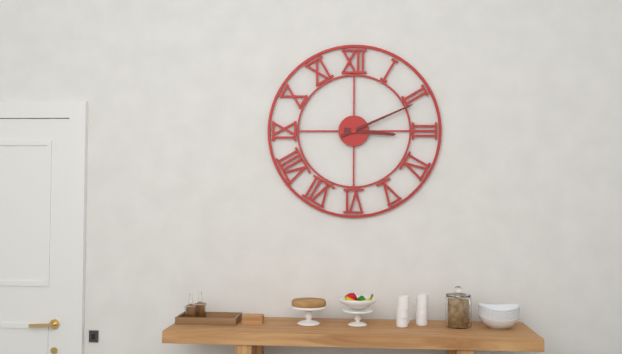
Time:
{"hour": 3, "minute": 11}
